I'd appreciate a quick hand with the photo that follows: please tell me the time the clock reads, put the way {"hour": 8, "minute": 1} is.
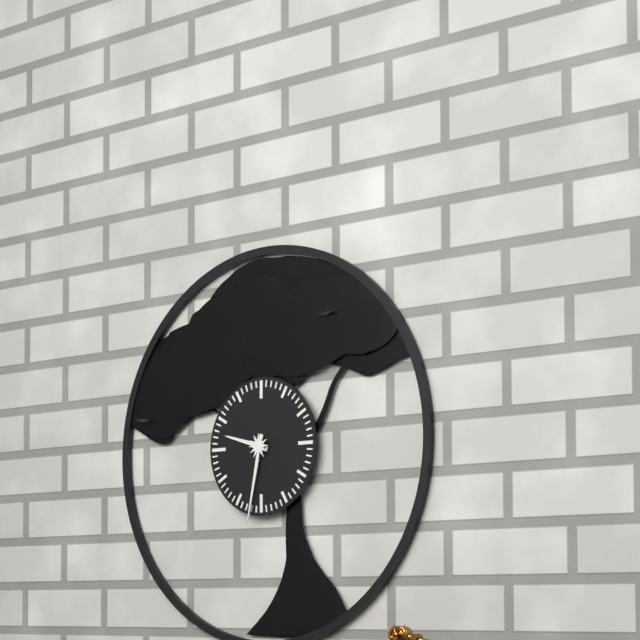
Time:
{"hour": 9, "minute": 32}
